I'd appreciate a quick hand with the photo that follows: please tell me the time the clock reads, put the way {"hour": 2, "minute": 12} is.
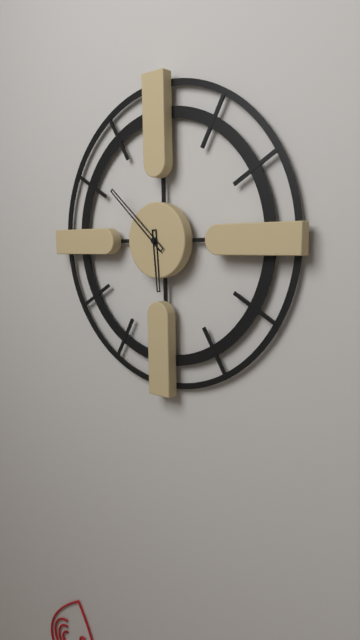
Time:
{"hour": 5, "minute": 52}
